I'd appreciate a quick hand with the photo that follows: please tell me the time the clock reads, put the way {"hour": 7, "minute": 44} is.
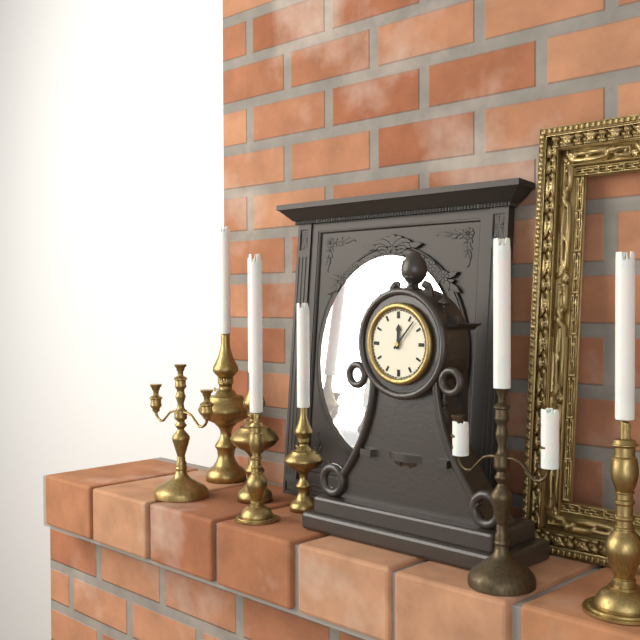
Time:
{"hour": 12, "minute": 7}
